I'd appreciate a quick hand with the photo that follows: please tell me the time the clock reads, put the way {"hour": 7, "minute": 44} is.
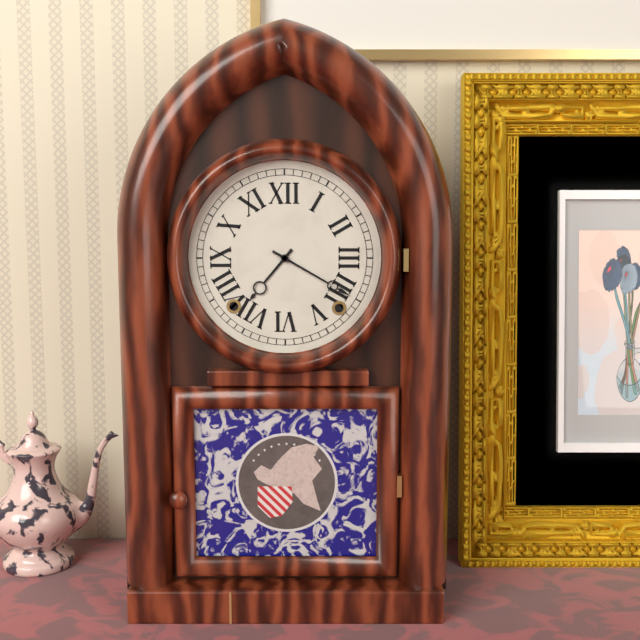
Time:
{"hour": 7, "minute": 20}
